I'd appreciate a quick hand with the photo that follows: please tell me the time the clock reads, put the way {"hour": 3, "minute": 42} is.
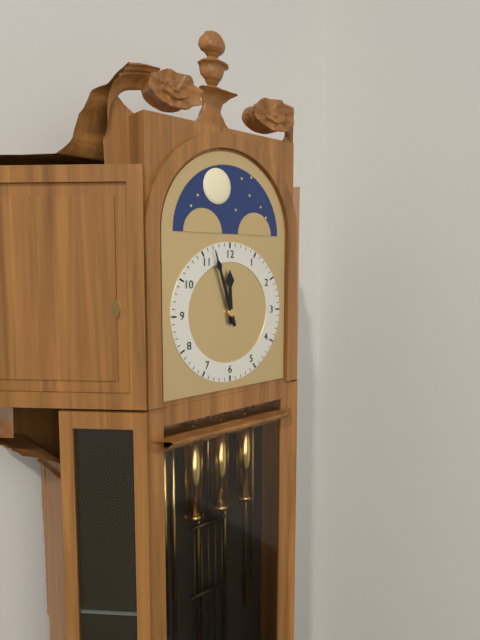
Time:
{"hour": 11, "minute": 57}
